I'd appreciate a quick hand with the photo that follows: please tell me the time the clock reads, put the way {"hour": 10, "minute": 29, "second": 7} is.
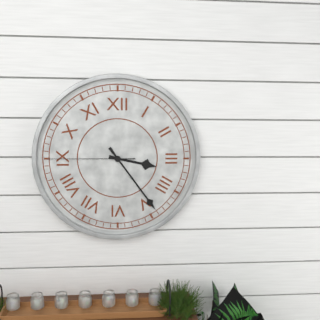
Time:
{"hour": 3, "minute": 24, "second": 45}
